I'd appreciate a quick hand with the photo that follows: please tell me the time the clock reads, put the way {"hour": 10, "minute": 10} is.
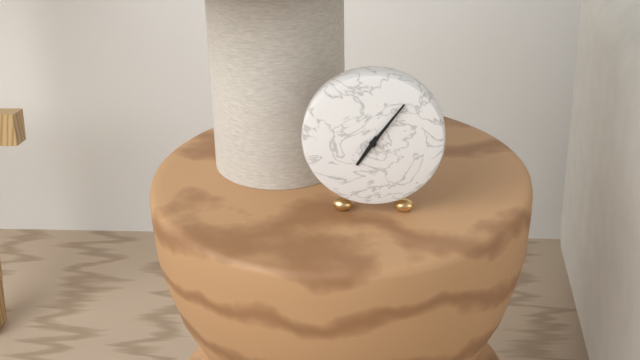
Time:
{"hour": 7, "minute": 6}
